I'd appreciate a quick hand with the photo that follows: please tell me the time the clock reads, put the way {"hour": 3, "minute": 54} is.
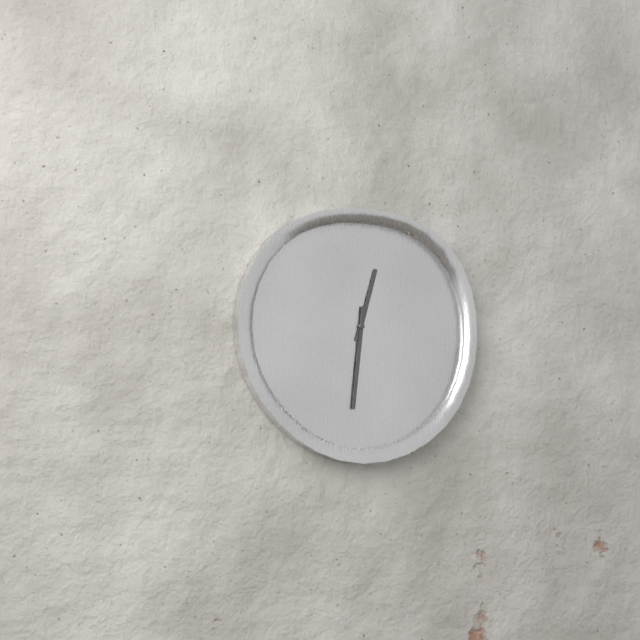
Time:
{"hour": 12, "minute": 31}
